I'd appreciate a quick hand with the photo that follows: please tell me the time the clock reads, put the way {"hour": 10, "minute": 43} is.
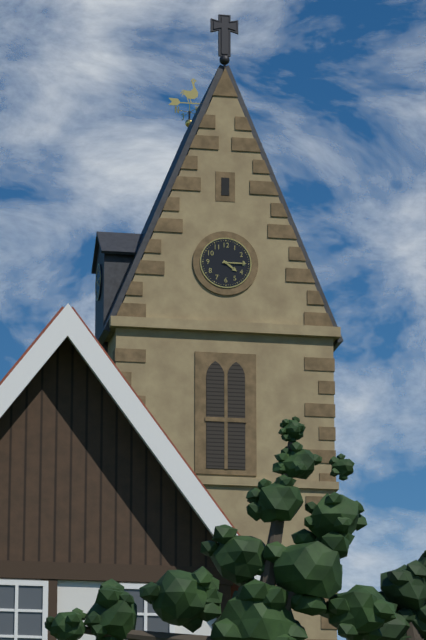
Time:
{"hour": 4, "minute": 15}
